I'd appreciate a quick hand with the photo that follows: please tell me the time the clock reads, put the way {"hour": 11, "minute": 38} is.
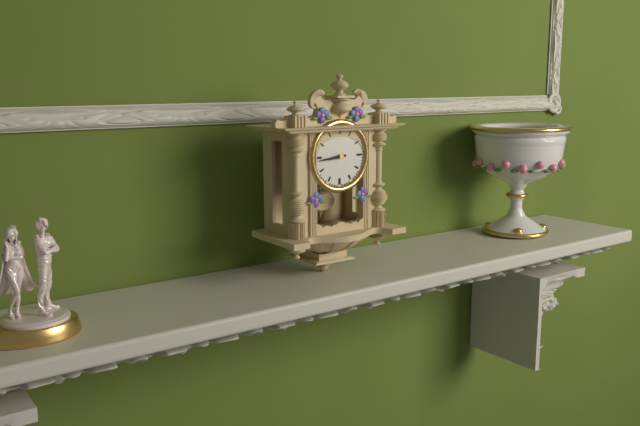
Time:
{"hour": 8, "minute": 44}
